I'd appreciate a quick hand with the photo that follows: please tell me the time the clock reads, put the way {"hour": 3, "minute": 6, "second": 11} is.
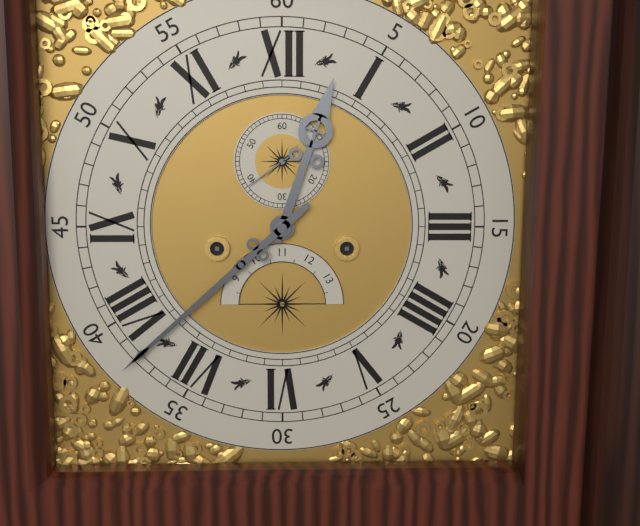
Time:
{"hour": 12, "minute": 38, "second": 39}
